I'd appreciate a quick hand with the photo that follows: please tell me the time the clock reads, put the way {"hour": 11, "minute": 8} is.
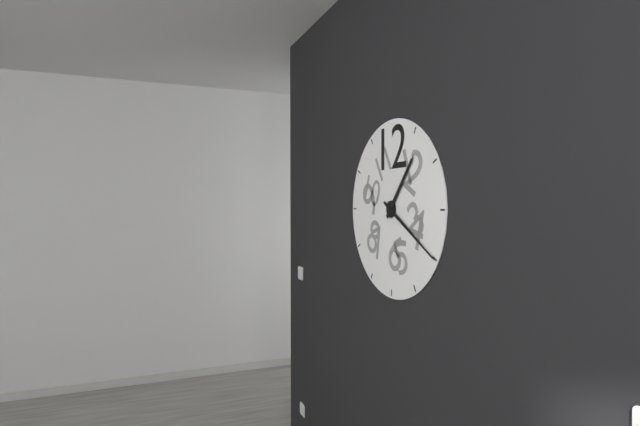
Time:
{"hour": 1, "minute": 20}
